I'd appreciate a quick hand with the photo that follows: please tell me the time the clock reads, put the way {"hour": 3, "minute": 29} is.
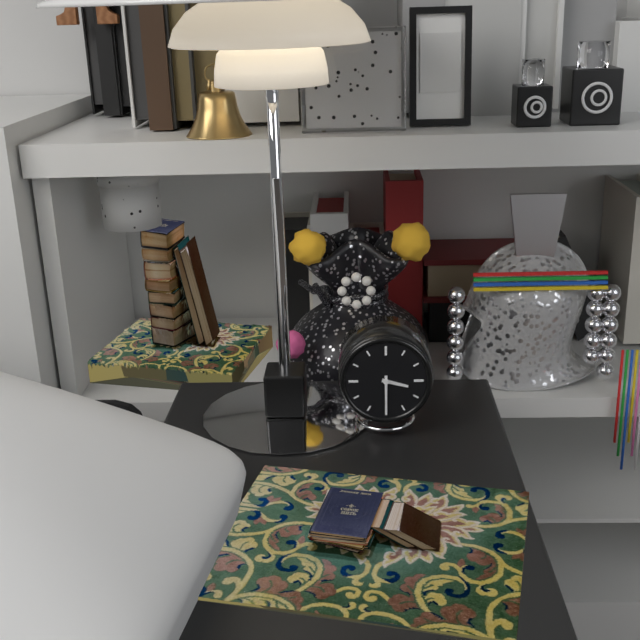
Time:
{"hour": 3, "minute": 30}
